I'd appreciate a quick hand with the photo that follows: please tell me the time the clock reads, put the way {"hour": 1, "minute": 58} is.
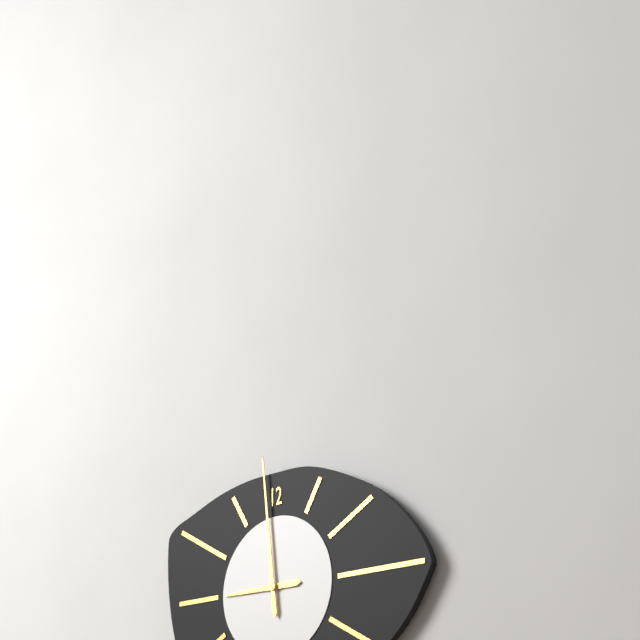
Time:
{"hour": 8, "minute": 59}
